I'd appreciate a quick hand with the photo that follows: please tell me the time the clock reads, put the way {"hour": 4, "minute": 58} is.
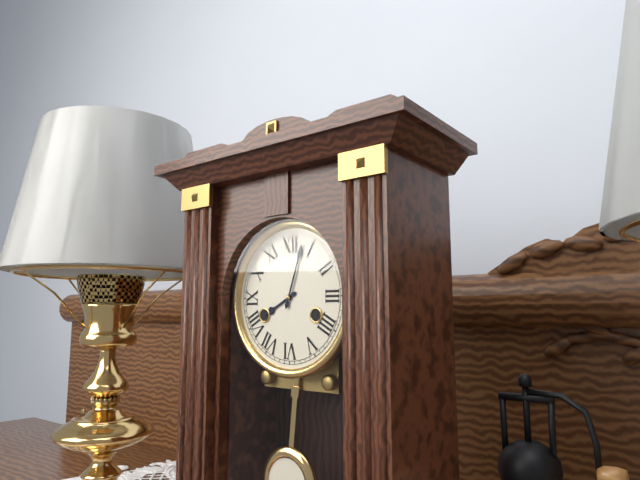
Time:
{"hour": 8, "minute": 3}
